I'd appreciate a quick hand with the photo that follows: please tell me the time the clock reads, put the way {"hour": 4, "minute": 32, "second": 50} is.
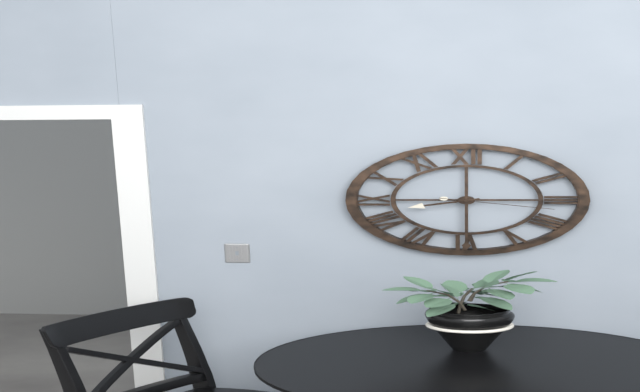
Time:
{"hour": 8, "minute": 30, "second": 17}
